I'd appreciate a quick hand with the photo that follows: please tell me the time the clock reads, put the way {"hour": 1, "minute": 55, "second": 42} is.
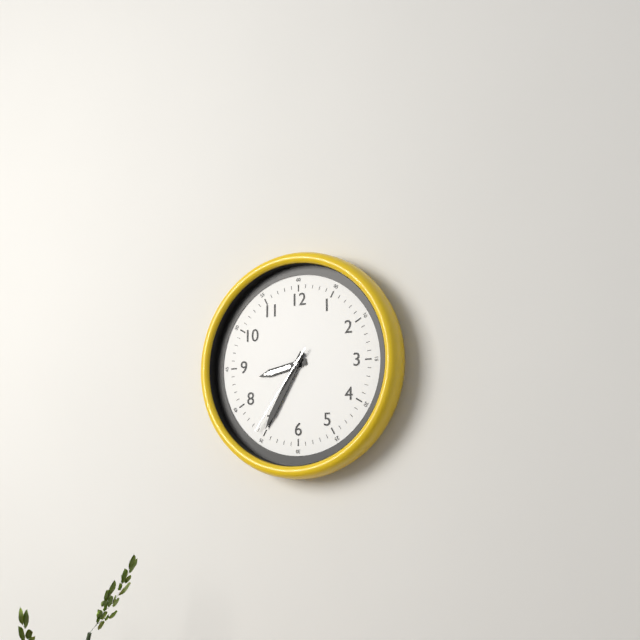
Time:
{"hour": 8, "minute": 35, "second": 36}
